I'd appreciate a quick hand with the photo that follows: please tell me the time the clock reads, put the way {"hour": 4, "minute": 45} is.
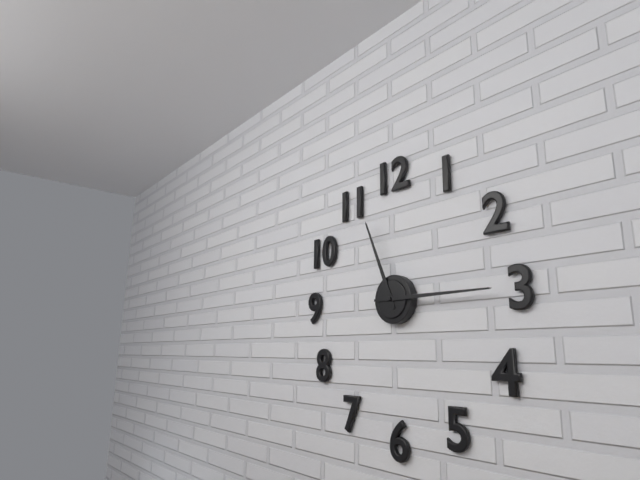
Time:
{"hour": 11, "minute": 15}
